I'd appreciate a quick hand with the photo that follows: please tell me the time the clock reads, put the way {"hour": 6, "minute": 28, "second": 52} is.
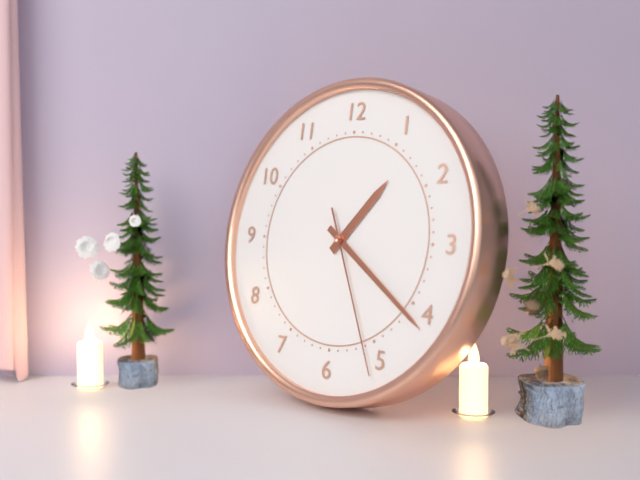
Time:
{"hour": 1, "minute": 21, "second": 26}
